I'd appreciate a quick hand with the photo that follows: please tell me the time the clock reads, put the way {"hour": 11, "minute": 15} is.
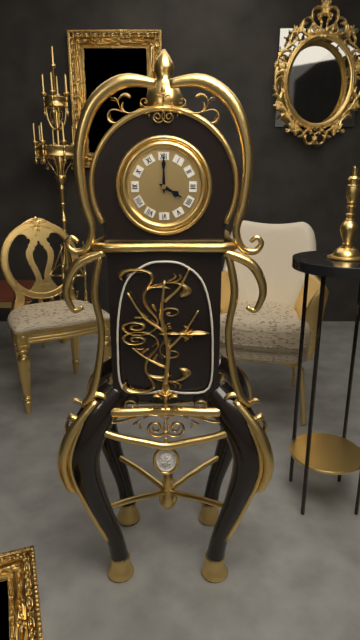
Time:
{"hour": 4, "minute": 0}
